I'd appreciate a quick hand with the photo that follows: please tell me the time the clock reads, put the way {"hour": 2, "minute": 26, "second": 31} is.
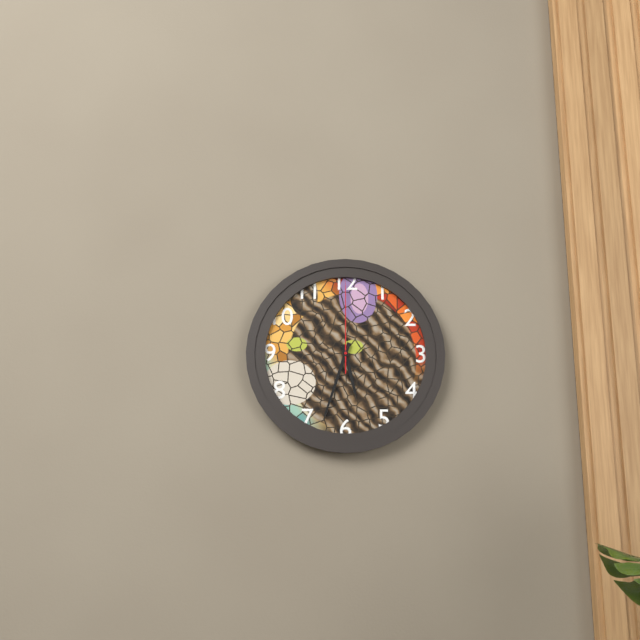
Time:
{"hour": 5, "minute": 33, "second": 0}
